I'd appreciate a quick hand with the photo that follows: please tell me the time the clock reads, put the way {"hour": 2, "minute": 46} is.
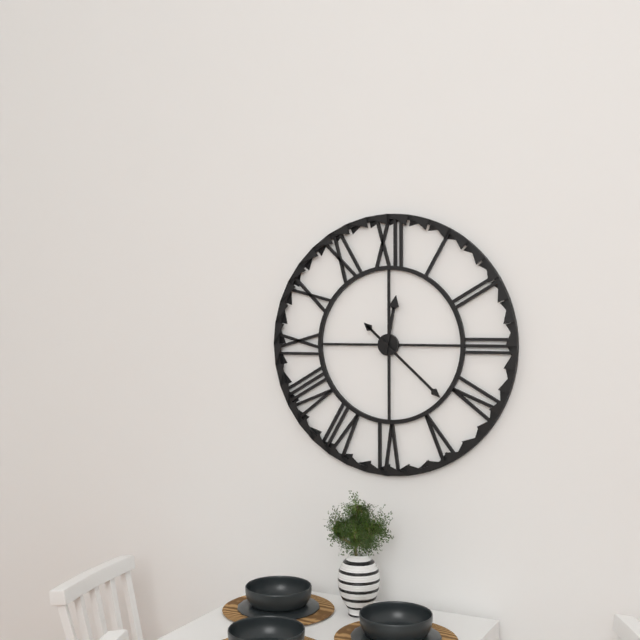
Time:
{"hour": 12, "minute": 22}
